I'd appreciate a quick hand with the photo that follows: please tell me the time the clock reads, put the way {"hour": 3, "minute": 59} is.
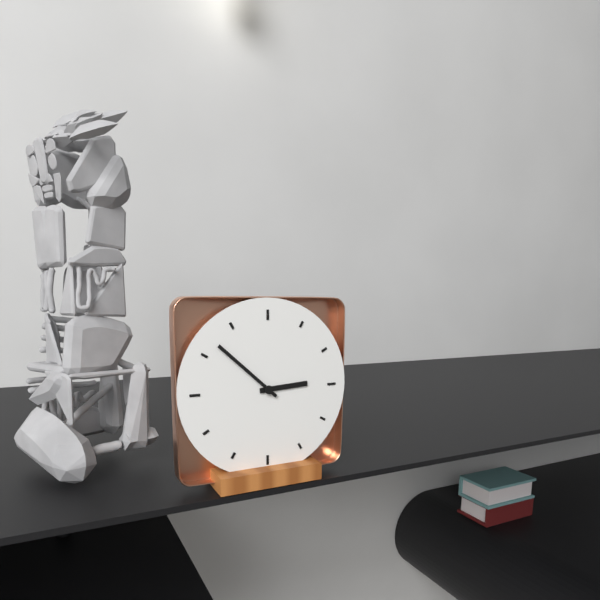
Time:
{"hour": 2, "minute": 52}
